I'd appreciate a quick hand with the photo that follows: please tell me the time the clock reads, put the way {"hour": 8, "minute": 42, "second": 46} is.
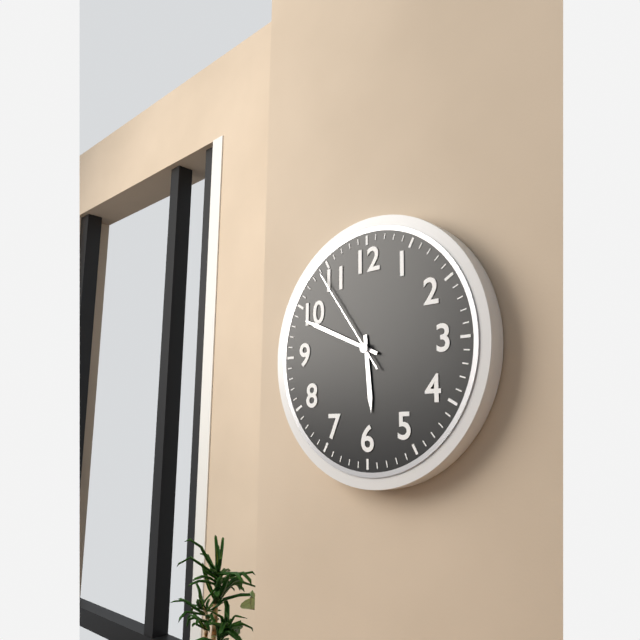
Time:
{"hour": 5, "minute": 49, "second": 54}
